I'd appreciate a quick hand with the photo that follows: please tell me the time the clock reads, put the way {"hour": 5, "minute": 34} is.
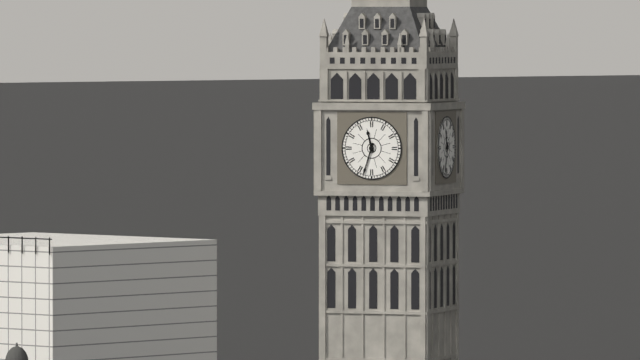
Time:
{"hour": 11, "minute": 33}
